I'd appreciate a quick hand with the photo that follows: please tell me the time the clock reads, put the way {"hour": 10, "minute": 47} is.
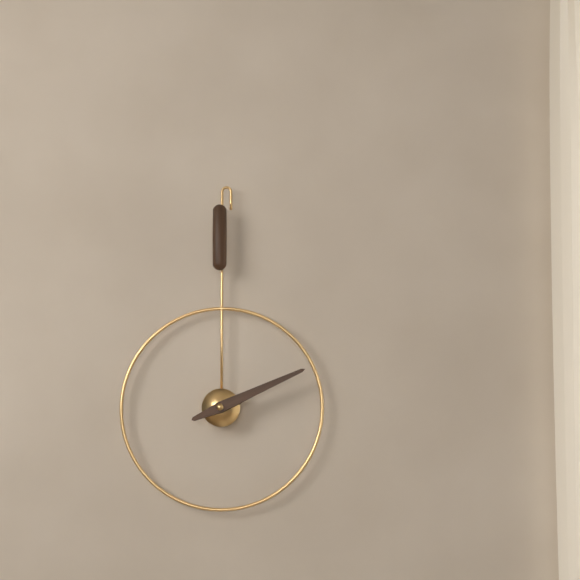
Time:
{"hour": 2, "minute": 11}
